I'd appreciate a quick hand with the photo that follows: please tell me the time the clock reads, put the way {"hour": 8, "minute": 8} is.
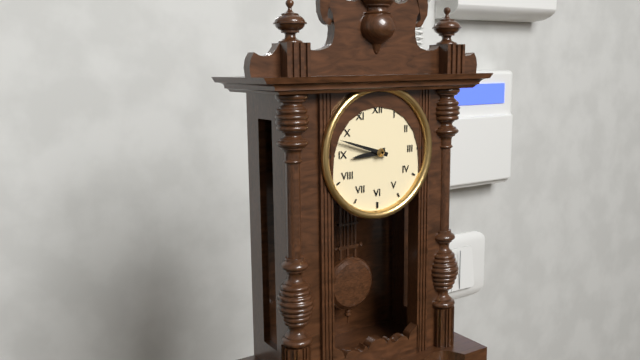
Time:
{"hour": 8, "minute": 48}
